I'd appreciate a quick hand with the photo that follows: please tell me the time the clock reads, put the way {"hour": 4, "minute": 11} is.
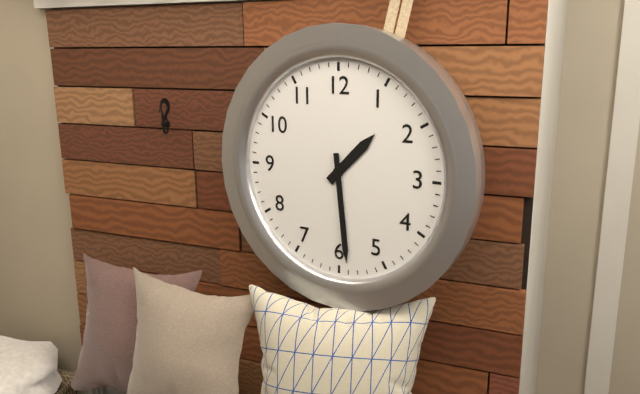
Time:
{"hour": 1, "minute": 29}
